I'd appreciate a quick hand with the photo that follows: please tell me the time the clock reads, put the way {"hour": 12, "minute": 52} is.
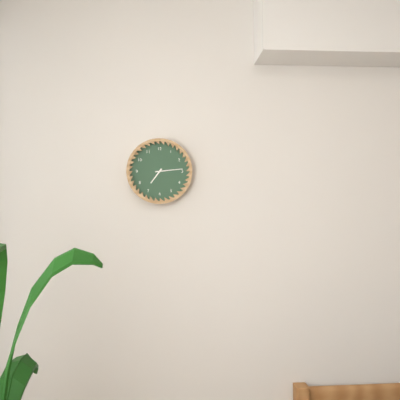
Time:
{"hour": 7, "minute": 14}
